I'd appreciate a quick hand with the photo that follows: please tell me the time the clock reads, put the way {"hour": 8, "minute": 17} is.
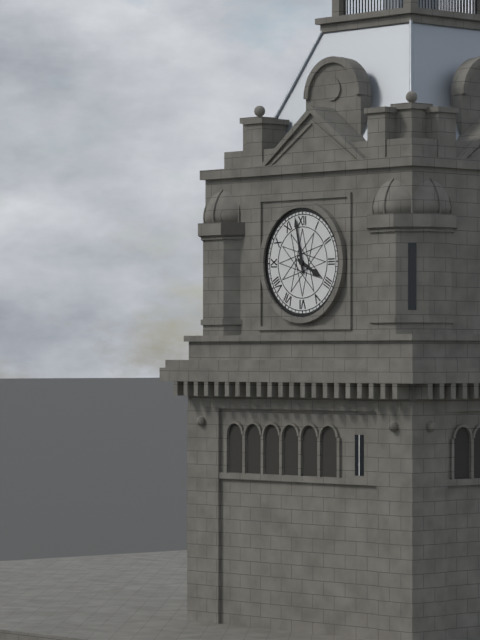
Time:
{"hour": 3, "minute": 58}
